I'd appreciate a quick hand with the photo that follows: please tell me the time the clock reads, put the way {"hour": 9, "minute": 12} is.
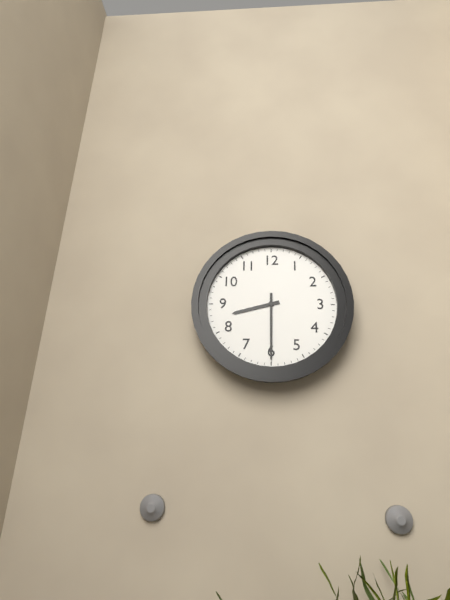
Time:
{"hour": 8, "minute": 30}
